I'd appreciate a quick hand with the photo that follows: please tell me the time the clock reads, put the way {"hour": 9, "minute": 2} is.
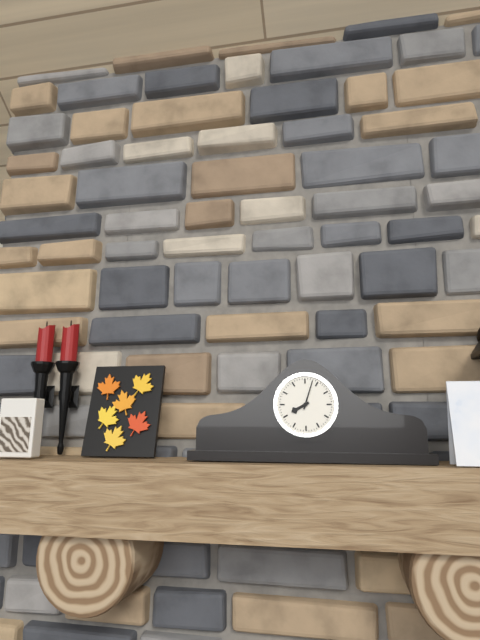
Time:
{"hour": 8, "minute": 3}
